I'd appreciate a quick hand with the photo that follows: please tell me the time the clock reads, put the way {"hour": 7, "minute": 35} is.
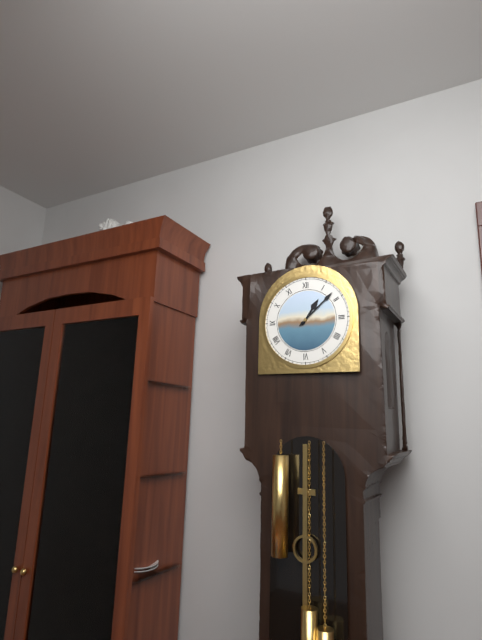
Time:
{"hour": 1, "minute": 8}
